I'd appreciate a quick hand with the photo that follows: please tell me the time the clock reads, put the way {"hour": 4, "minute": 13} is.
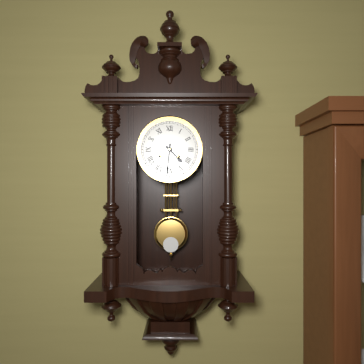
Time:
{"hour": 4, "minute": 31}
